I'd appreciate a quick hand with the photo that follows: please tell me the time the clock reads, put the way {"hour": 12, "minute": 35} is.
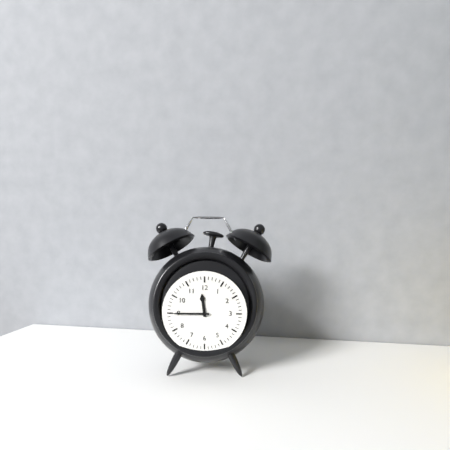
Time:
{"hour": 11, "minute": 45}
